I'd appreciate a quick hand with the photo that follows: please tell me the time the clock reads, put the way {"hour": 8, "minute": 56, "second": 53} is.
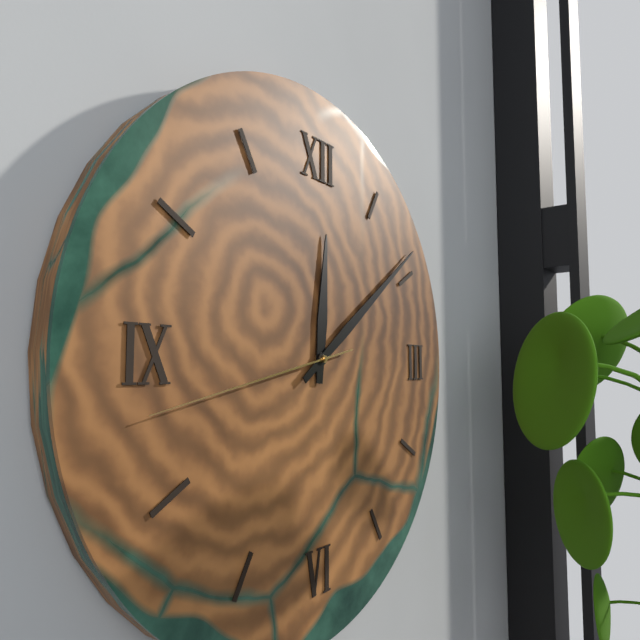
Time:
{"hour": 12, "minute": 9, "second": 43}
